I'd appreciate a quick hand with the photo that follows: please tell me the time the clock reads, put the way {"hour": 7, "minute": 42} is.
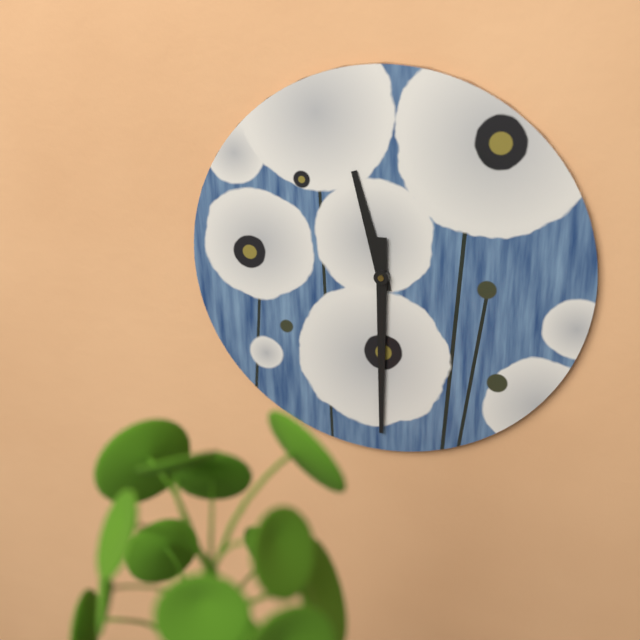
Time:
{"hour": 11, "minute": 30}
